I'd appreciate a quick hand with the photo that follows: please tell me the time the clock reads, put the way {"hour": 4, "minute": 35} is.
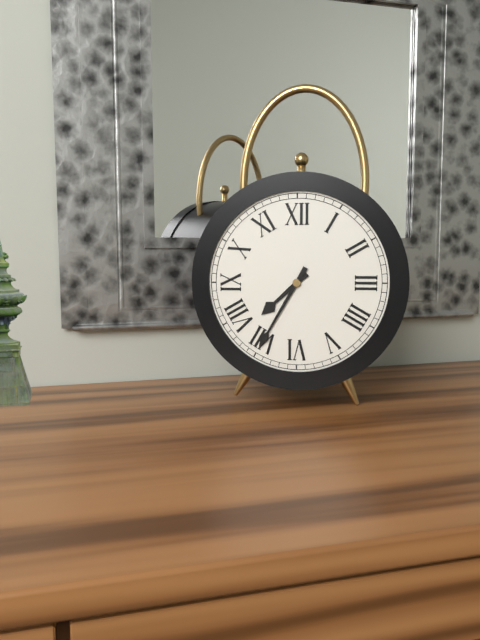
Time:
{"hour": 7, "minute": 35}
